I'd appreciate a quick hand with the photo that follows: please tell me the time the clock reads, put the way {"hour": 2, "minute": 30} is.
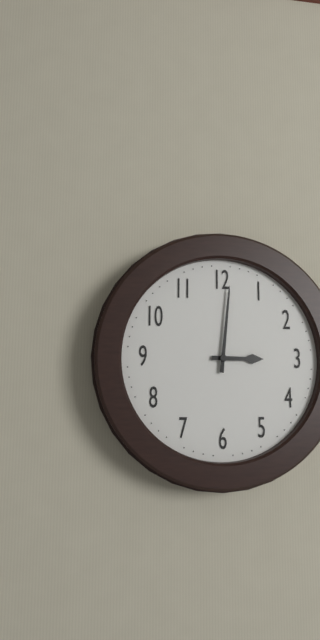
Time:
{"hour": 3, "minute": 1}
